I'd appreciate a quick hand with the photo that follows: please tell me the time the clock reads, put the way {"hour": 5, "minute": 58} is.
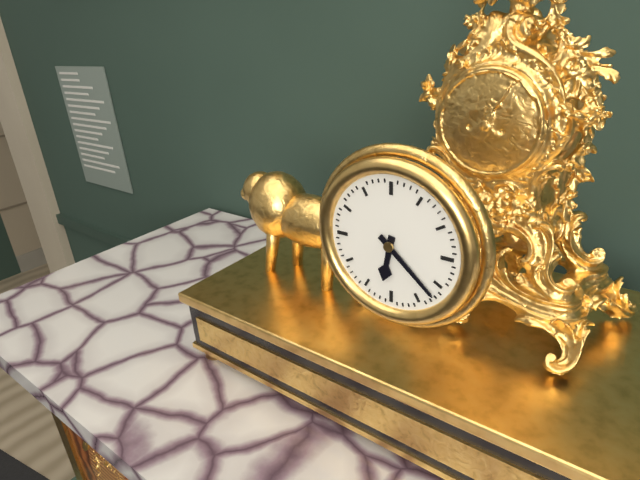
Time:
{"hour": 6, "minute": 22}
